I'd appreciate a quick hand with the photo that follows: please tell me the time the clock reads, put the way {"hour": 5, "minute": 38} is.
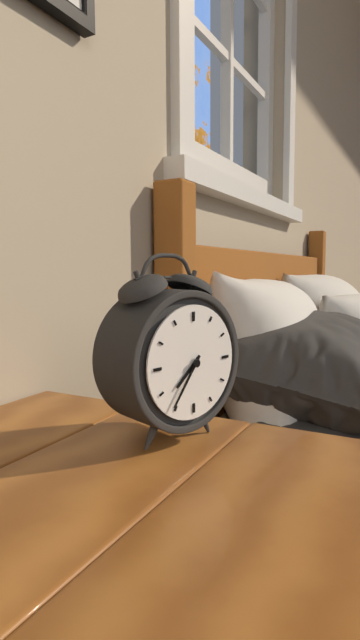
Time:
{"hour": 7, "minute": 36}
